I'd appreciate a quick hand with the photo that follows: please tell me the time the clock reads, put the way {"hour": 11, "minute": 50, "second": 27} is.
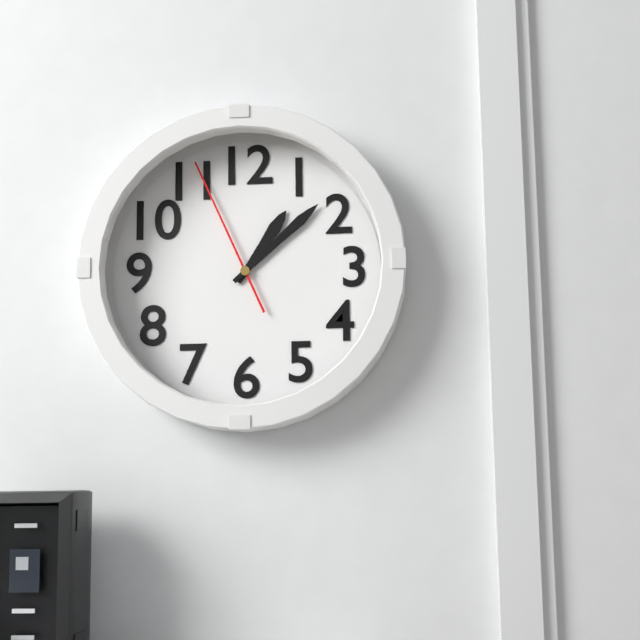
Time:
{"hour": 1, "minute": 8, "second": 56}
